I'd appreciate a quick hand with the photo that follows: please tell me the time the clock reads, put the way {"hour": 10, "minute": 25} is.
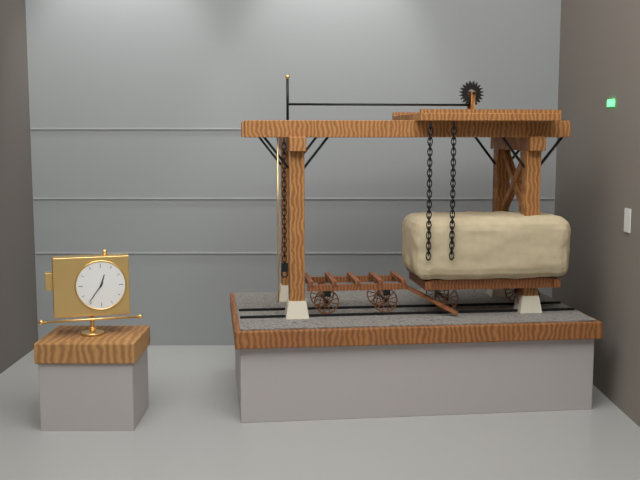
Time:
{"hour": 12, "minute": 36}
